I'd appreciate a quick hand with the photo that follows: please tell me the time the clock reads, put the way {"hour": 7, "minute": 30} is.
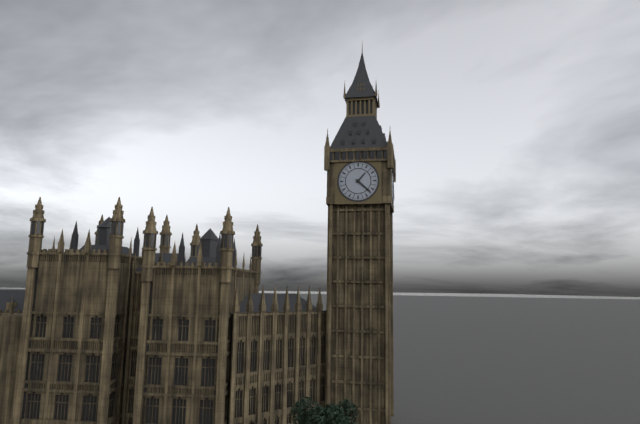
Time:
{"hour": 1, "minute": 22}
